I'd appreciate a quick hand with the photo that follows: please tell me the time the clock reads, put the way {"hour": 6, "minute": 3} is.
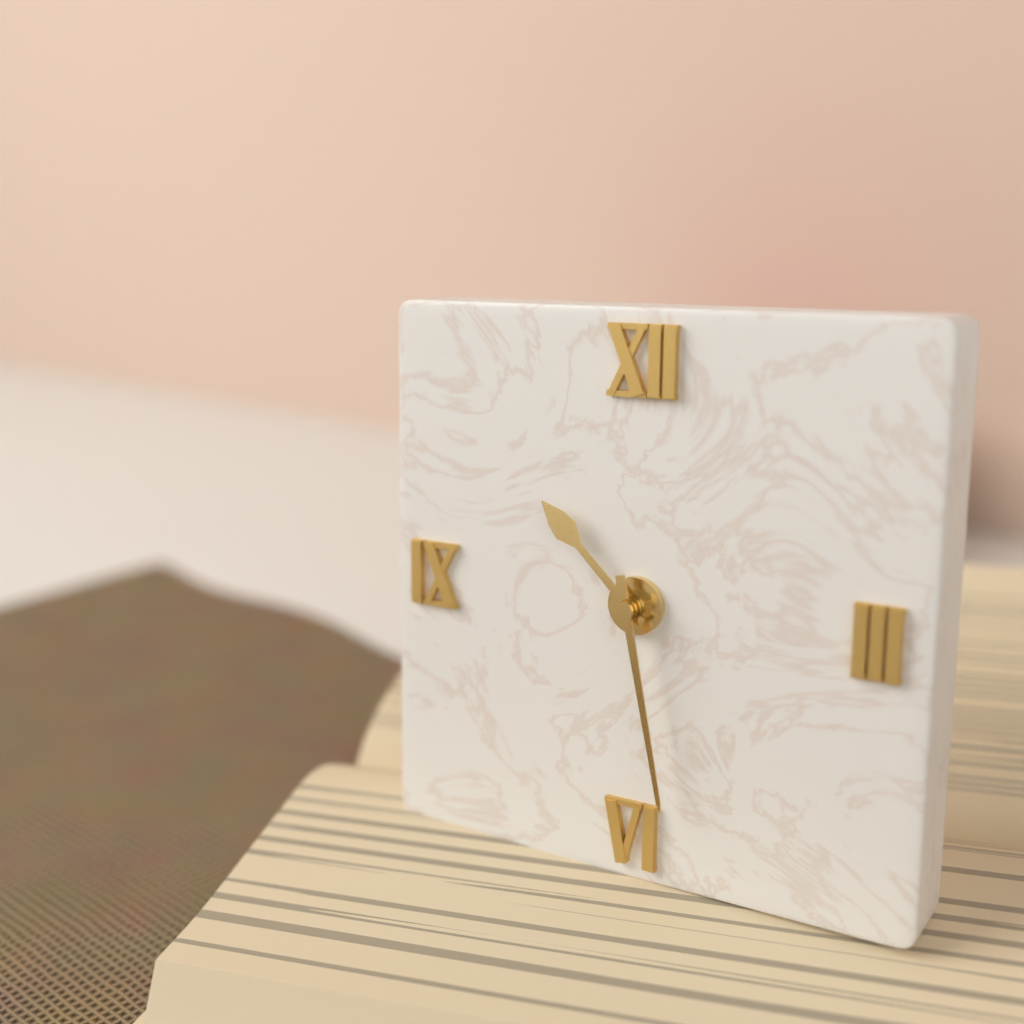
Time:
{"hour": 10, "minute": 28}
